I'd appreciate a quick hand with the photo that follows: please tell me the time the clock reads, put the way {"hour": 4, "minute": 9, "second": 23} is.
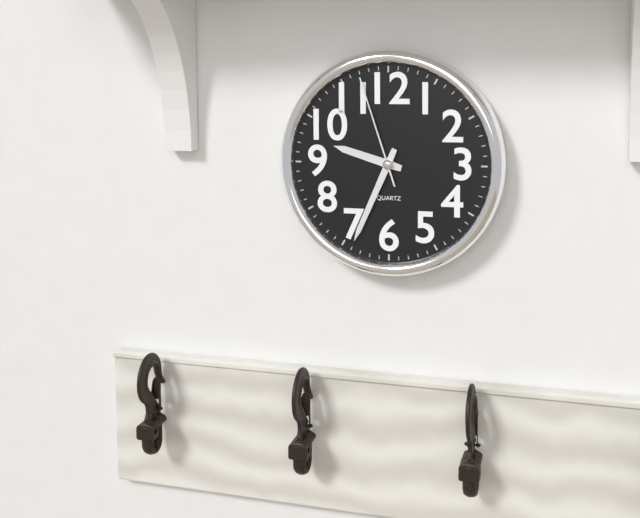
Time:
{"hour": 9, "minute": 34, "second": 57}
